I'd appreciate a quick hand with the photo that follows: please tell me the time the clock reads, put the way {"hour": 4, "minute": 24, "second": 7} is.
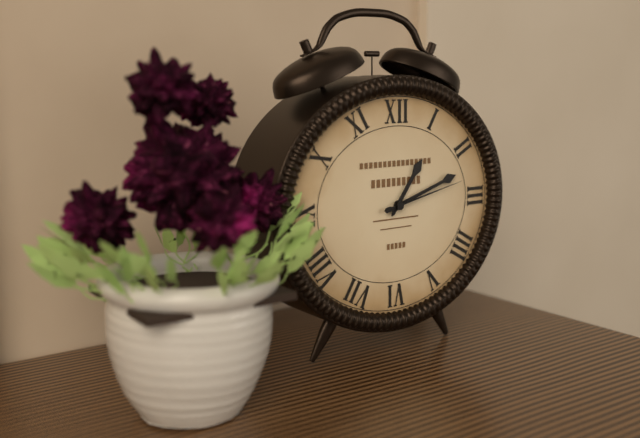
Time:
{"hour": 1, "minute": 12, "second": 13}
